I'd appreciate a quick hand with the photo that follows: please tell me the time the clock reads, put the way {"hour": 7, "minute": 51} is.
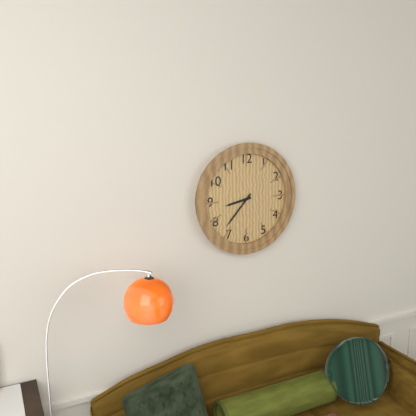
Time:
{"hour": 8, "minute": 37}
